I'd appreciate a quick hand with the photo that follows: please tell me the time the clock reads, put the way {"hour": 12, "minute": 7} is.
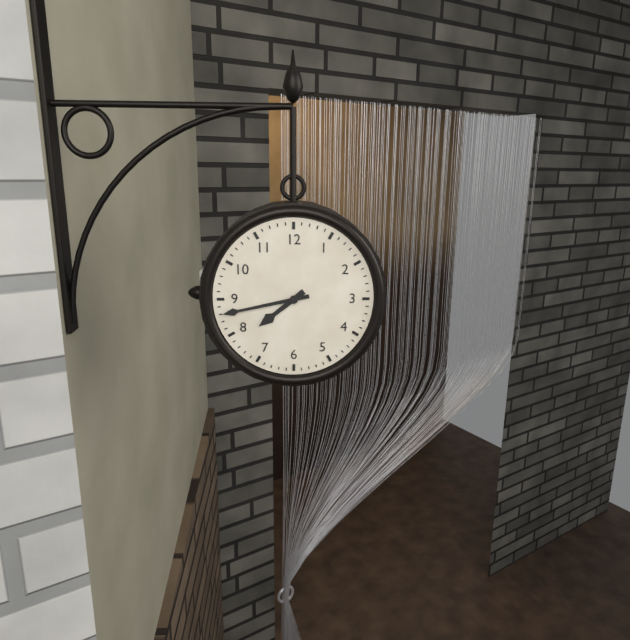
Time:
{"hour": 7, "minute": 43}
